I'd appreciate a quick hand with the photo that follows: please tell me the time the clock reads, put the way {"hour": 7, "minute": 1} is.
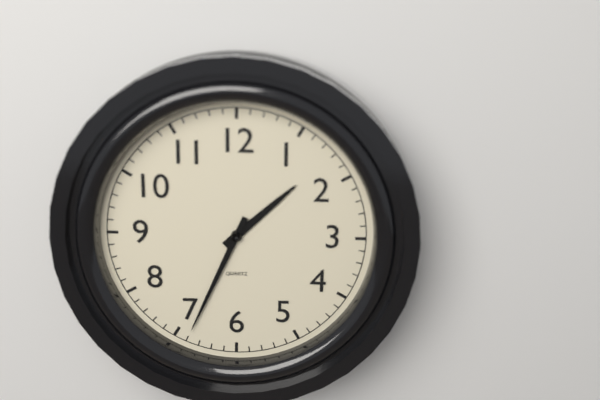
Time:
{"hour": 1, "minute": 34}
